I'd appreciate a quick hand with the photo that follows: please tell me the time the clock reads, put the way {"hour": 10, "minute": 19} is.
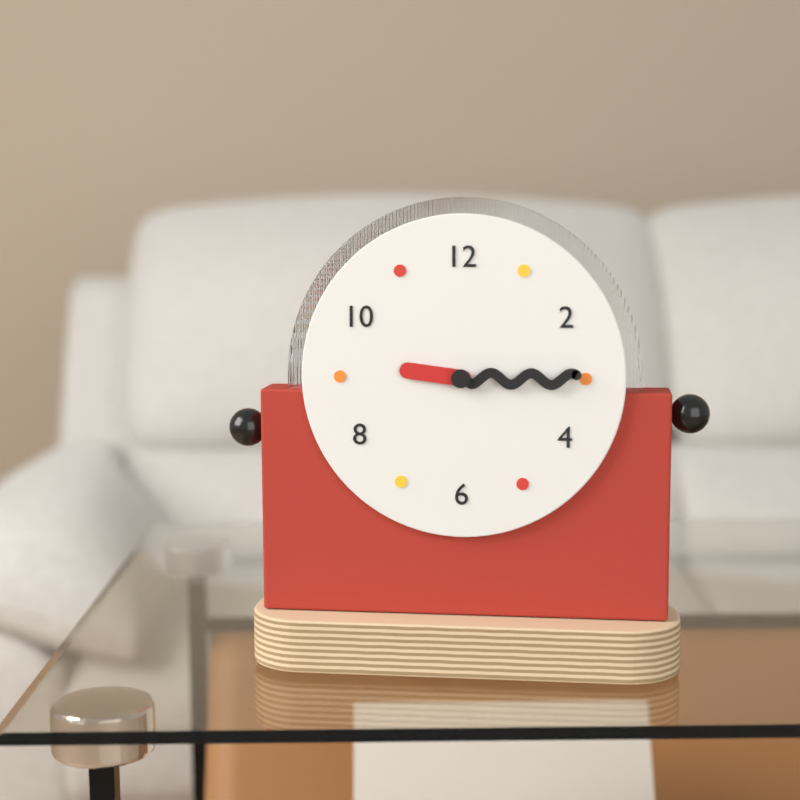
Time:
{"hour": 9, "minute": 15}
